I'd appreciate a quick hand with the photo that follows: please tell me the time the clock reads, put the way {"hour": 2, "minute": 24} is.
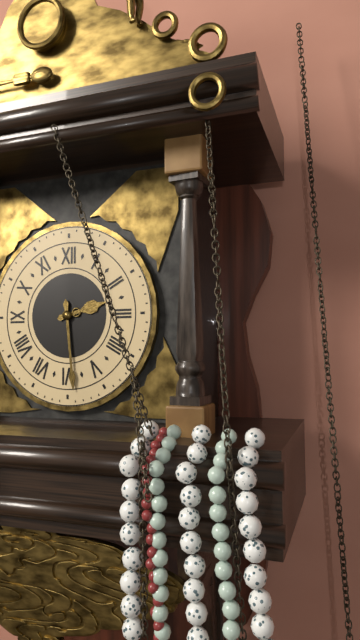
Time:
{"hour": 2, "minute": 29}
